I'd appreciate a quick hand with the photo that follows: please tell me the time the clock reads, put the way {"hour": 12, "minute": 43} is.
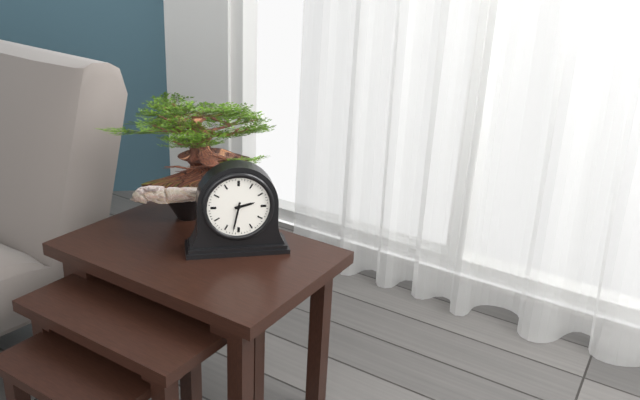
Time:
{"hour": 2, "minute": 32}
